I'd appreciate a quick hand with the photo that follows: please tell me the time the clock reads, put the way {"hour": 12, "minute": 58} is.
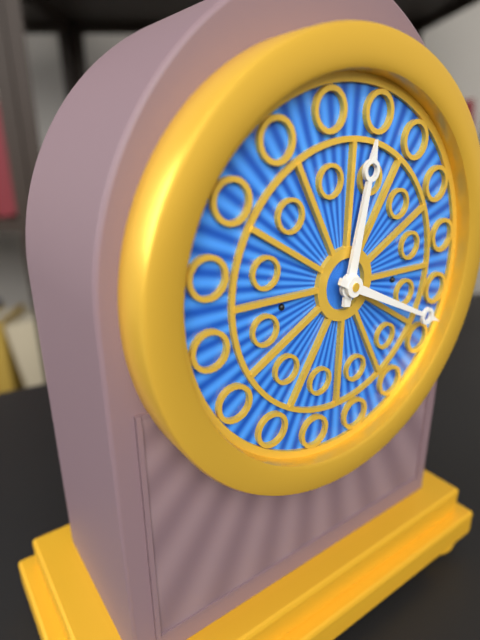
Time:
{"hour": 12, "minute": 19}
